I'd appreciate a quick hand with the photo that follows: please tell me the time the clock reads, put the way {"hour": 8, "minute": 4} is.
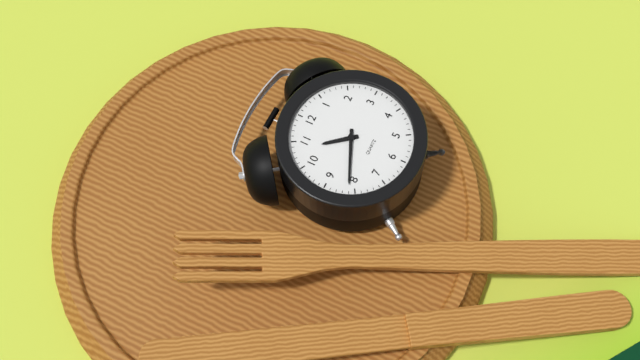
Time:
{"hour": 10, "minute": 41}
